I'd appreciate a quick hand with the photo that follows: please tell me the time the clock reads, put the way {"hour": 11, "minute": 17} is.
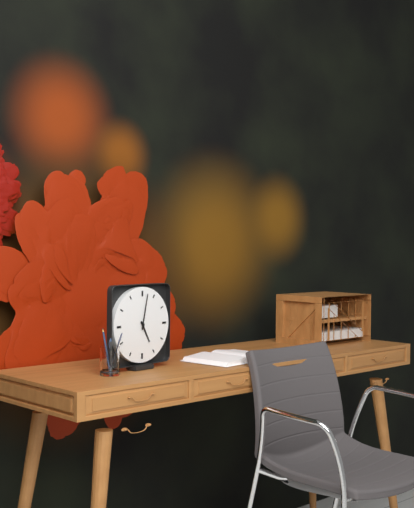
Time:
{"hour": 5, "minute": 2}
